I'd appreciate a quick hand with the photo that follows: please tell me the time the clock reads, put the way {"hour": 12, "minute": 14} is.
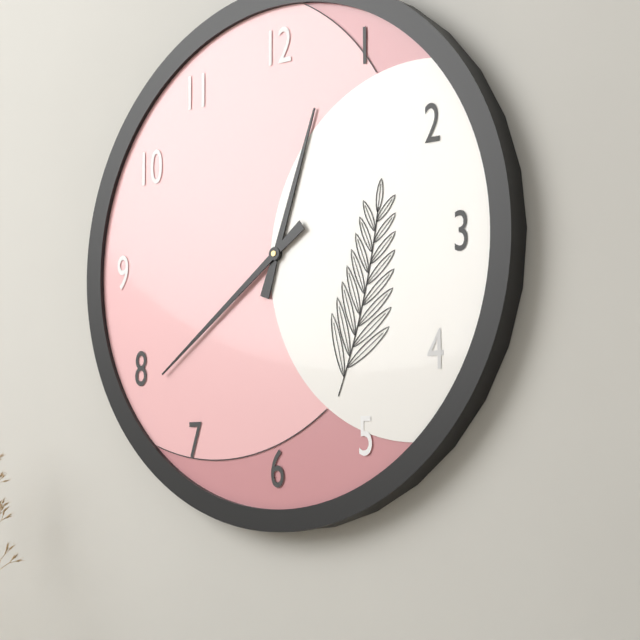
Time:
{"hour": 12, "minute": 39}
